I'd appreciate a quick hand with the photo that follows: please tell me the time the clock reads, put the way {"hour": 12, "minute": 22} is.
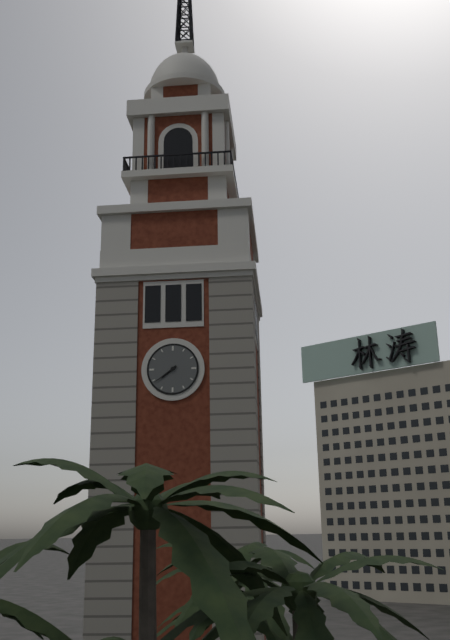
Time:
{"hour": 7, "minute": 39}
